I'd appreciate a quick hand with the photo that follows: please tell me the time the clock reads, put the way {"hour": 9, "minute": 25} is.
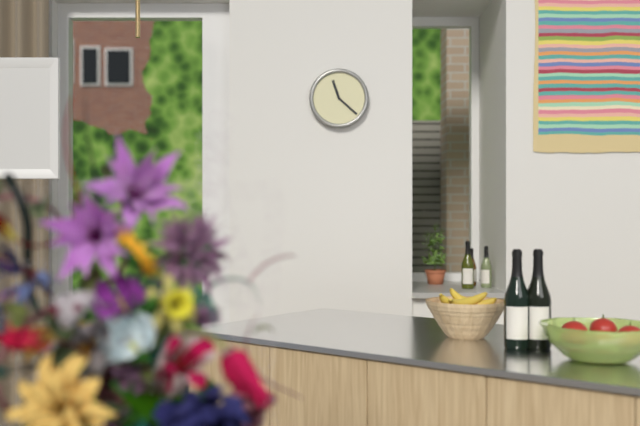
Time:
{"hour": 11, "minute": 22}
